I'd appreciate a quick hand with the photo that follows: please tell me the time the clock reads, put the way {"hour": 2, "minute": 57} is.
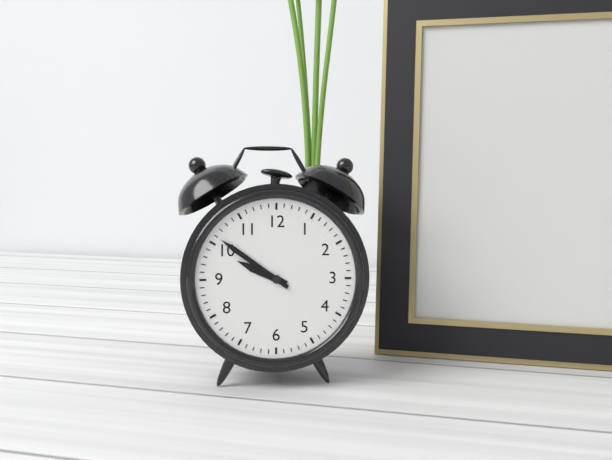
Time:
{"hour": 9, "minute": 51}
